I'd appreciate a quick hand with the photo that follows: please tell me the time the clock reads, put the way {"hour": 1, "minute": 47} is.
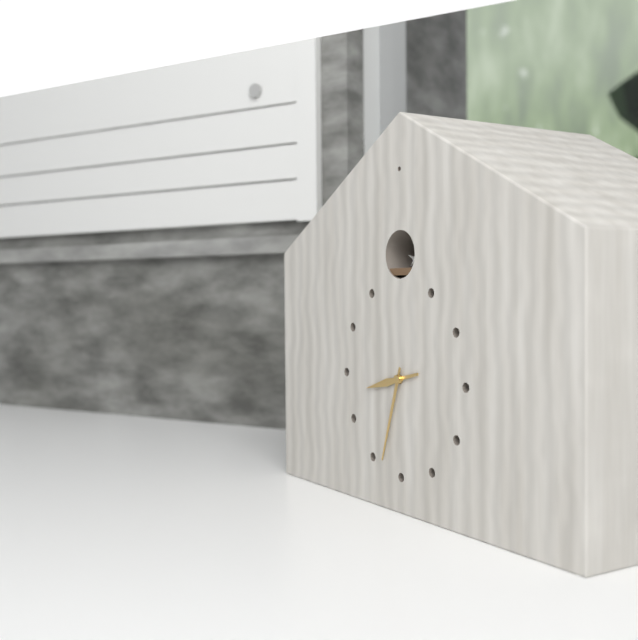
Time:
{"hour": 8, "minute": 33}
